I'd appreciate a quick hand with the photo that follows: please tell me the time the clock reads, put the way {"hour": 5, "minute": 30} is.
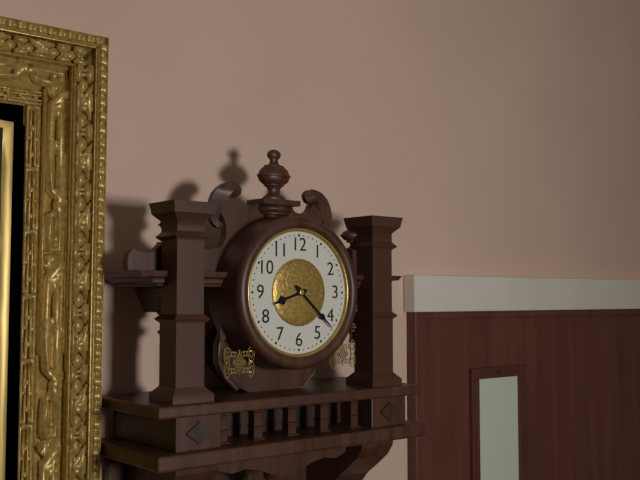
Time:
{"hour": 8, "minute": 22}
